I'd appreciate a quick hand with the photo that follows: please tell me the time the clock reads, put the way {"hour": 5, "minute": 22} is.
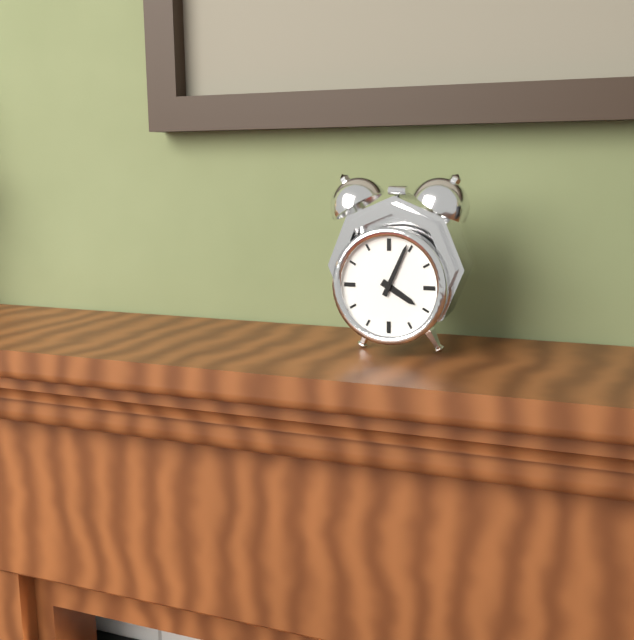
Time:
{"hour": 4, "minute": 4}
